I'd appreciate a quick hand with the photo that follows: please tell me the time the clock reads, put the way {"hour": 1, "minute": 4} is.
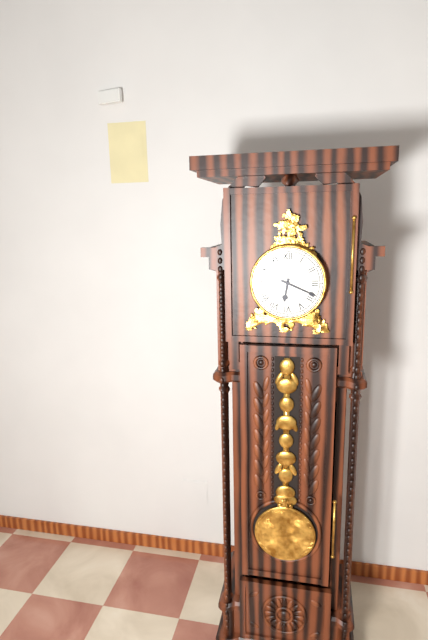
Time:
{"hour": 6, "minute": 19}
